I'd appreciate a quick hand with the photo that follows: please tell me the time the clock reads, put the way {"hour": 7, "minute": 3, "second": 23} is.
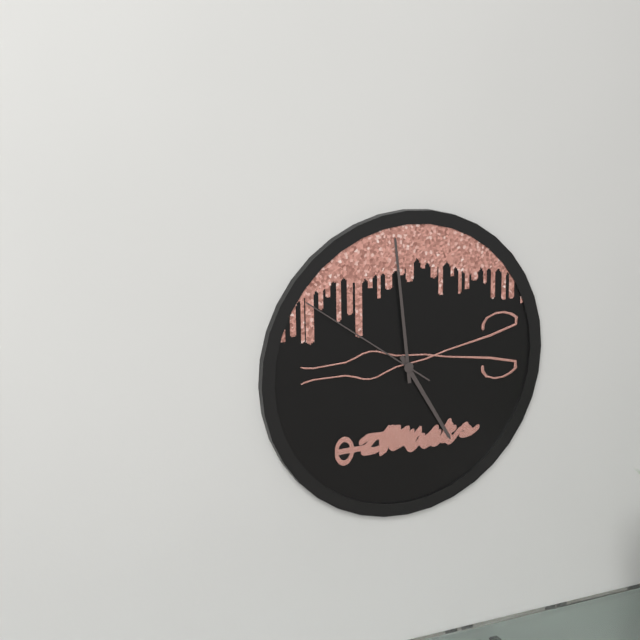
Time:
{"hour": 4, "minute": 59, "second": 51}
